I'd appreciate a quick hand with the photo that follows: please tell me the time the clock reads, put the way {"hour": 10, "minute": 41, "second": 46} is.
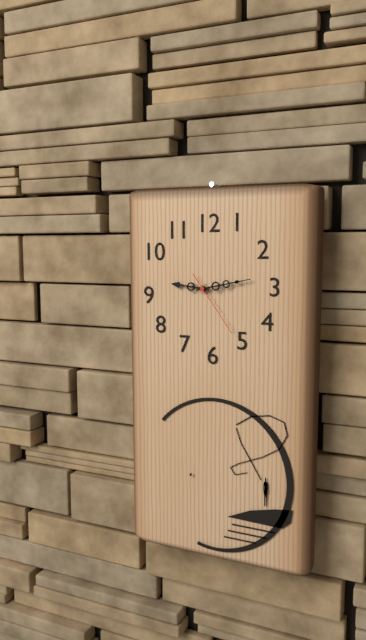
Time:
{"hour": 9, "minute": 13, "second": 24}
